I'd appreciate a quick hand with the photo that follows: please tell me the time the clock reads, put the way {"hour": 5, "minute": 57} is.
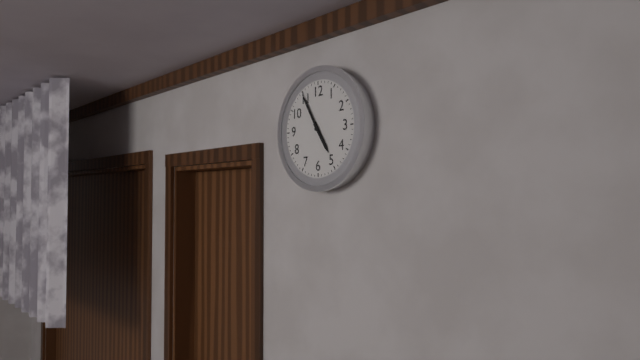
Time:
{"hour": 4, "minute": 55}
